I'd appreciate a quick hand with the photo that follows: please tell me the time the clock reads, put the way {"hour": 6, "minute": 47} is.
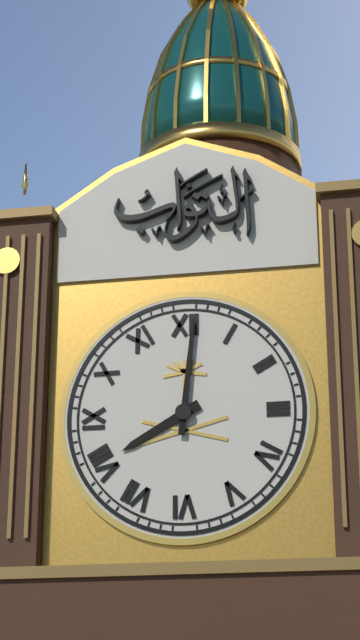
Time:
{"hour": 8, "minute": 1}
